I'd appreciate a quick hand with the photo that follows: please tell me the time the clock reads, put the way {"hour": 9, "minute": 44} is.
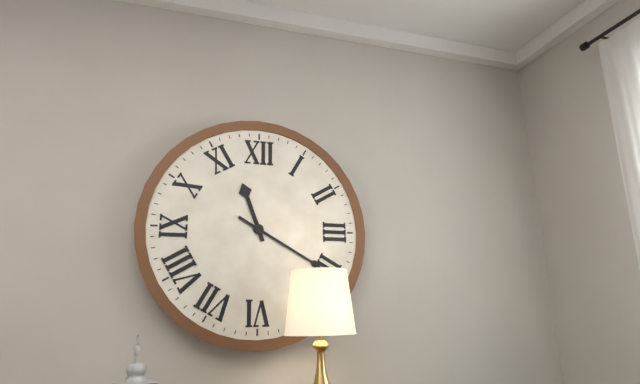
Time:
{"hour": 11, "minute": 20}
